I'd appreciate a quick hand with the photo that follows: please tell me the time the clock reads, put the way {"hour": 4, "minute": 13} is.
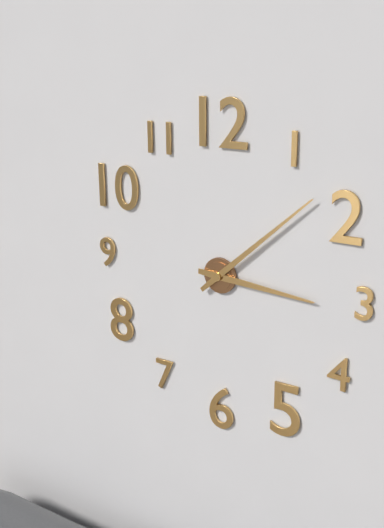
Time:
{"hour": 3, "minute": 8}
